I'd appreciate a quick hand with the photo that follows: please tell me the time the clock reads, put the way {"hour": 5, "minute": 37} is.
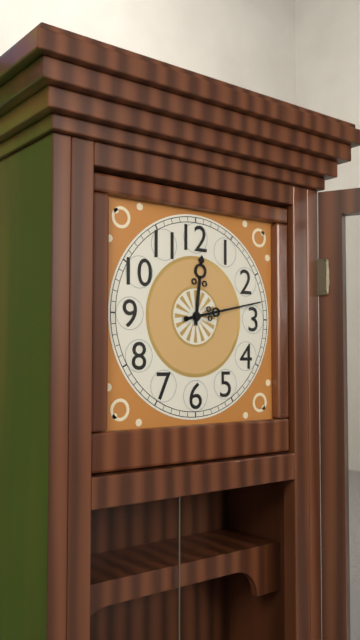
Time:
{"hour": 12, "minute": 13}
